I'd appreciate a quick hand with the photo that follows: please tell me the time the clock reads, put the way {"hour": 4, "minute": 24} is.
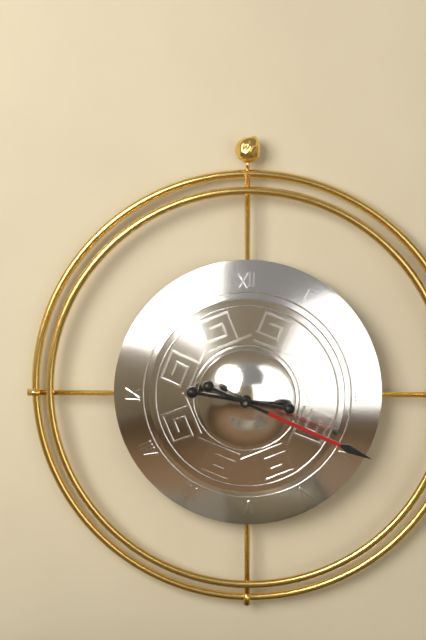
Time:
{"hour": 9, "minute": 19}
